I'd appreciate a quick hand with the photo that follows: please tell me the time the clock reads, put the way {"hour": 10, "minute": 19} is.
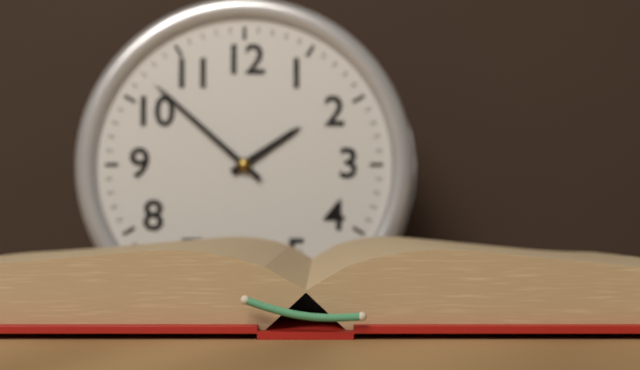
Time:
{"hour": 1, "minute": 52}
